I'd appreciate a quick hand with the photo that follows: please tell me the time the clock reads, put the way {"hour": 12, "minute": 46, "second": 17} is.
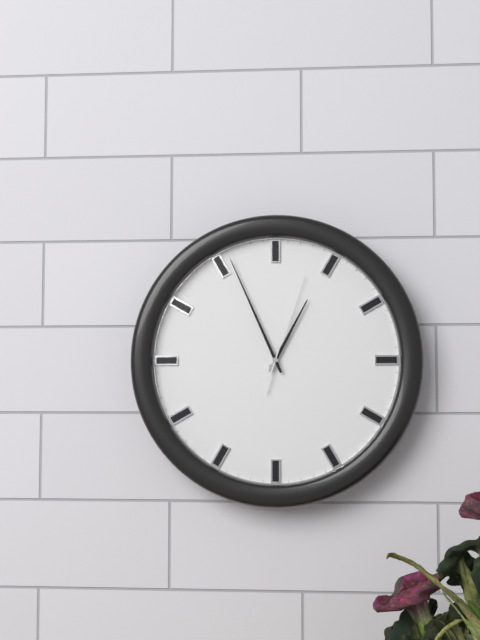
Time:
{"hour": 12, "minute": 56, "second": 3}
